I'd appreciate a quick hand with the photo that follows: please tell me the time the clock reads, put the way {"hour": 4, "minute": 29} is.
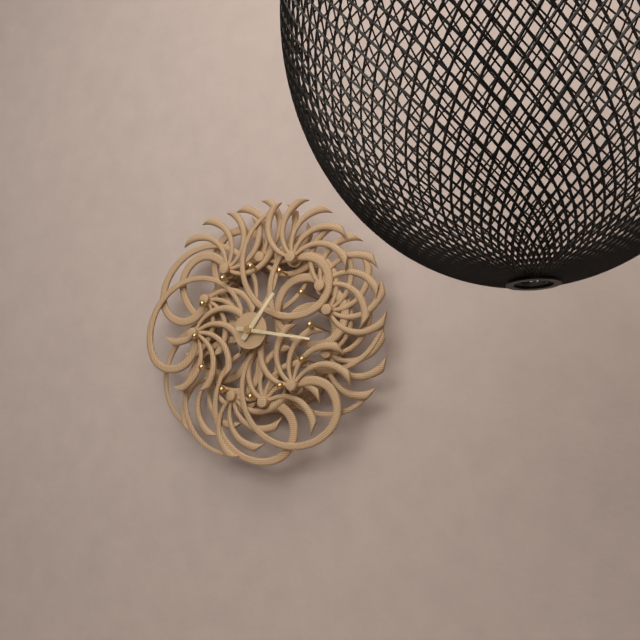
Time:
{"hour": 1, "minute": 17}
